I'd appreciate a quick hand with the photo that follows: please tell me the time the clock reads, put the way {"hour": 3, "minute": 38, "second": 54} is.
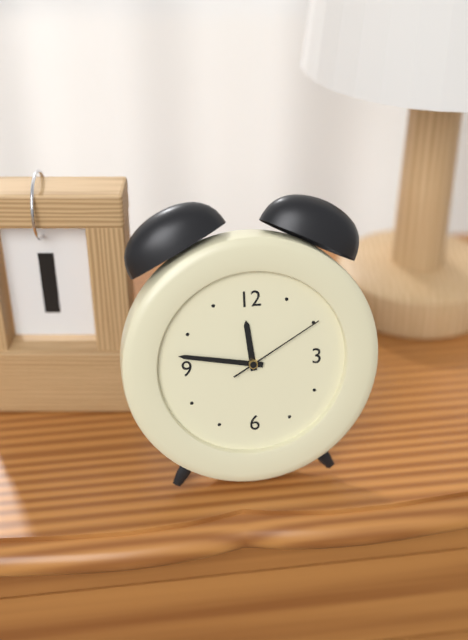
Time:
{"hour": 11, "minute": 47, "second": 10}
